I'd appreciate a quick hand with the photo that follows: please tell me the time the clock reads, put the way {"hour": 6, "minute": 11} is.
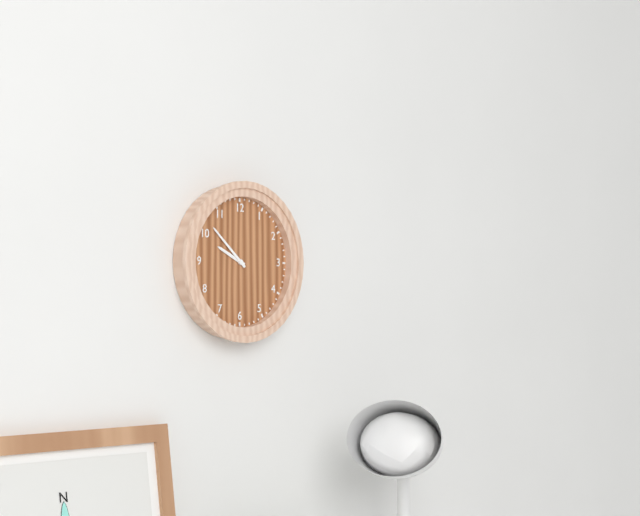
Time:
{"hour": 9, "minute": 52}
